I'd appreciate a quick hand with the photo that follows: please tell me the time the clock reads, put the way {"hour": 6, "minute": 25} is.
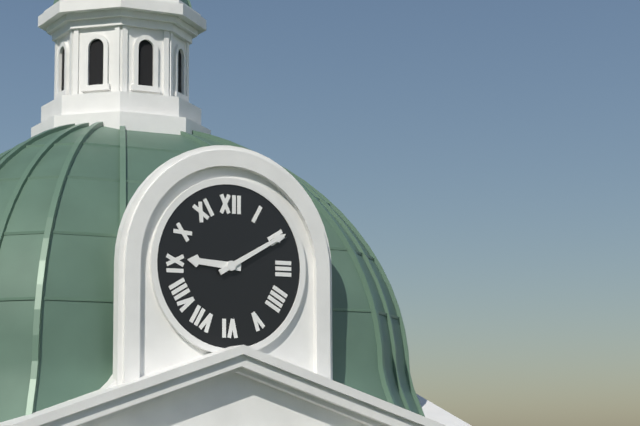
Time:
{"hour": 9, "minute": 10}
